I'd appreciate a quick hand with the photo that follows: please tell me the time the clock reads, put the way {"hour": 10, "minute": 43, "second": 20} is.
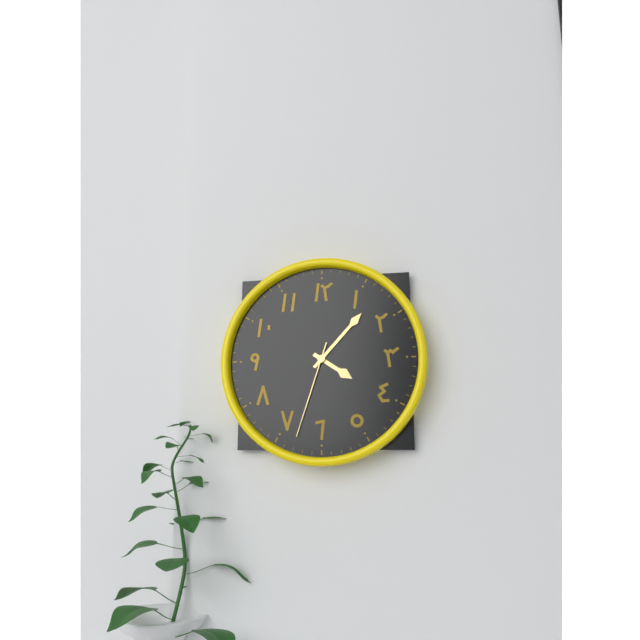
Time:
{"hour": 4, "minute": 7, "second": 33}
